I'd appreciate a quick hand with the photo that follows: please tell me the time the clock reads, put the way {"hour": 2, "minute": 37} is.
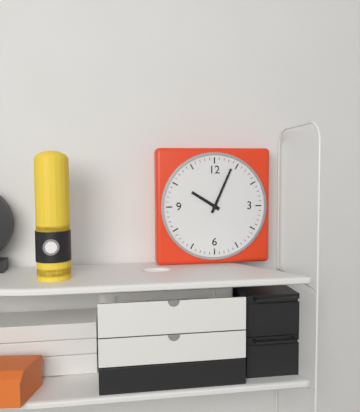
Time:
{"hour": 10, "minute": 4}
